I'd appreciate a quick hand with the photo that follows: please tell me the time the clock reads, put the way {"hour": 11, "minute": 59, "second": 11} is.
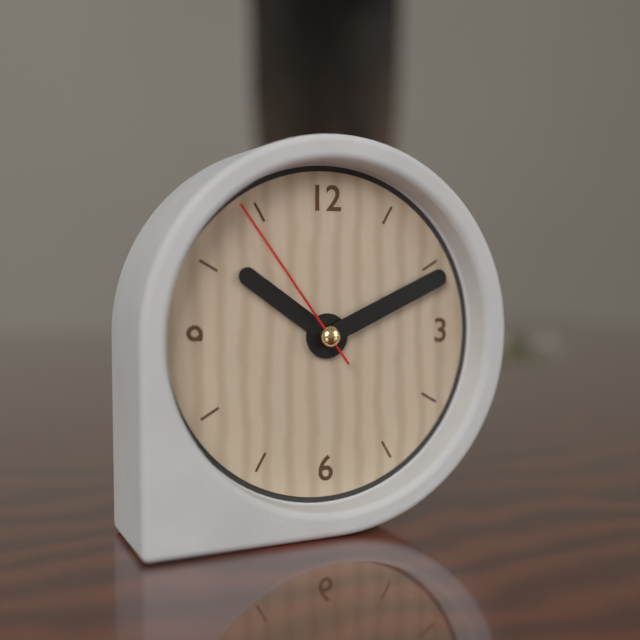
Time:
{"hour": 10, "minute": 11, "second": 54}
